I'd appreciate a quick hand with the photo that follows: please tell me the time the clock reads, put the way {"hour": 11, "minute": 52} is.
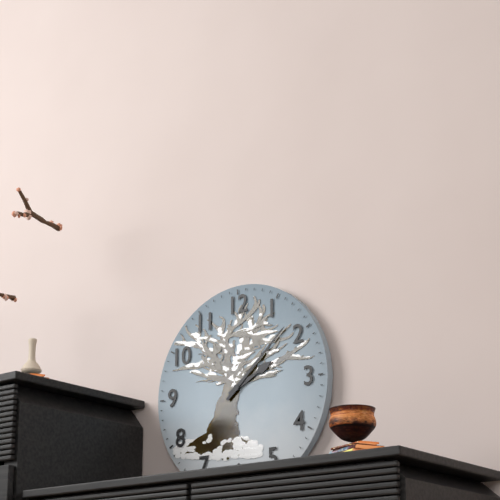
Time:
{"hour": 2, "minute": 8}
